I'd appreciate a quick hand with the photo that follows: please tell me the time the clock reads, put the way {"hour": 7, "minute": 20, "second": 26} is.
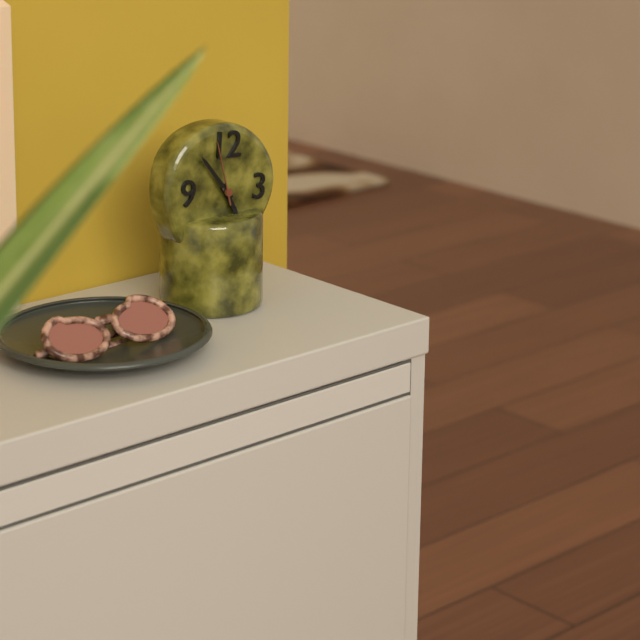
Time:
{"hour": 4, "minute": 53, "second": 57}
